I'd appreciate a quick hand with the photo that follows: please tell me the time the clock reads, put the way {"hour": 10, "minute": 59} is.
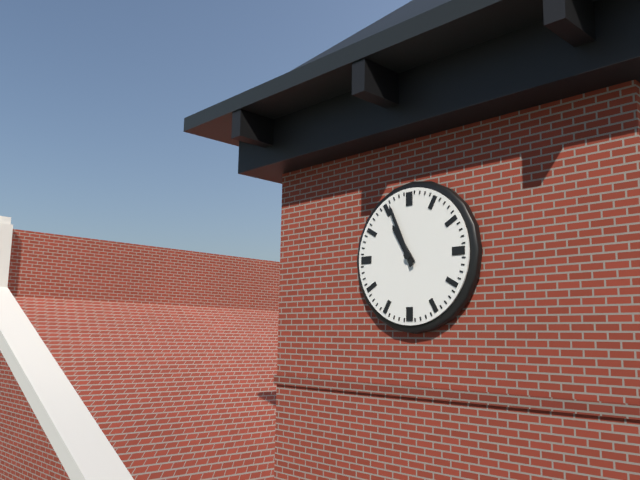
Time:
{"hour": 10, "minute": 56}
